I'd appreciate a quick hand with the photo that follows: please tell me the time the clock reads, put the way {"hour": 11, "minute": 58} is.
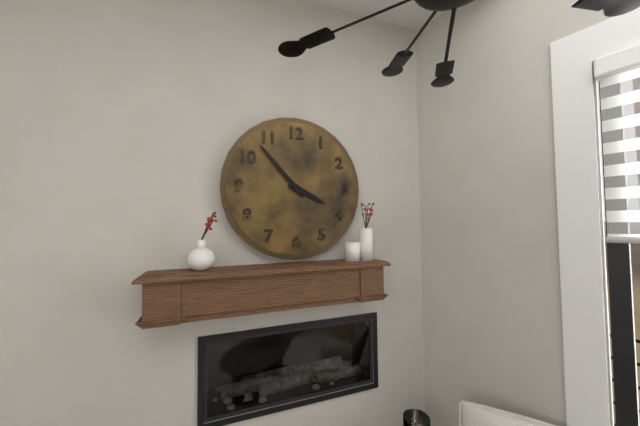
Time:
{"hour": 3, "minute": 53}
